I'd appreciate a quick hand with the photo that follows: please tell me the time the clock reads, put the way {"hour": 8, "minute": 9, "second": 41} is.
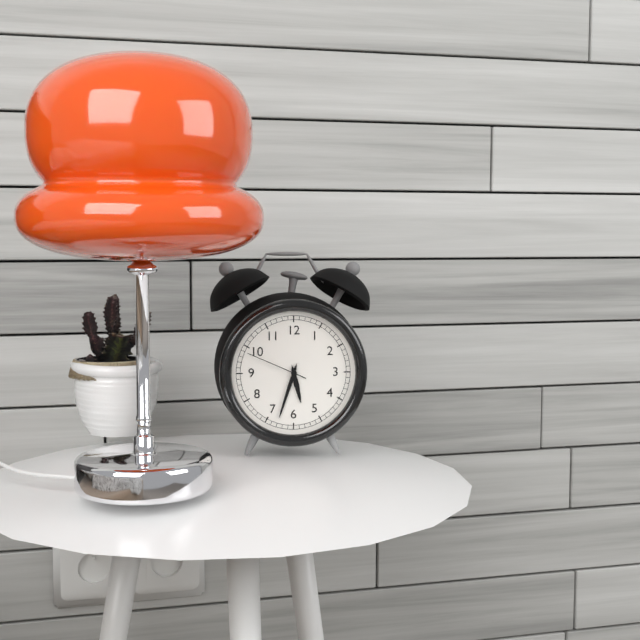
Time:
{"hour": 5, "minute": 33, "second": 49}
